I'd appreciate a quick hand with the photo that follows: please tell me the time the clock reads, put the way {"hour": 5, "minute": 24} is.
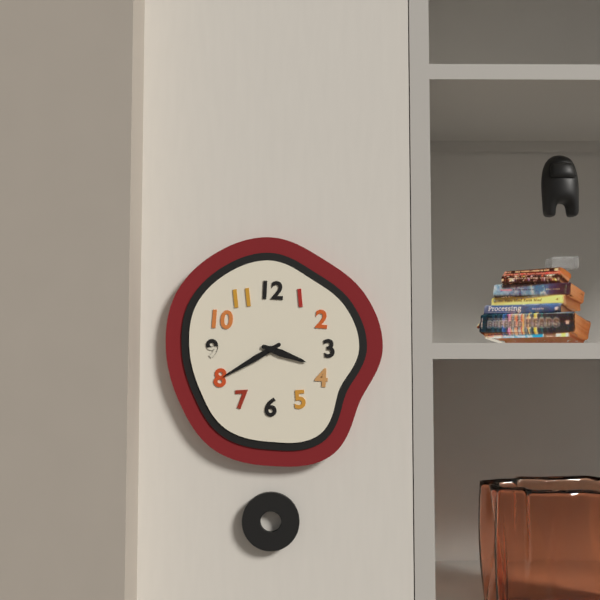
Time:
{"hour": 3, "minute": 40}
